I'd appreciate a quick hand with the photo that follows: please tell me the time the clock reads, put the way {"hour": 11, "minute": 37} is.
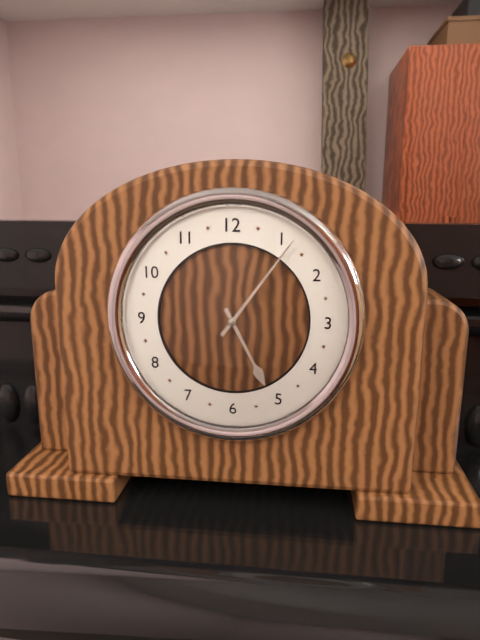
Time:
{"hour": 5, "minute": 6}
